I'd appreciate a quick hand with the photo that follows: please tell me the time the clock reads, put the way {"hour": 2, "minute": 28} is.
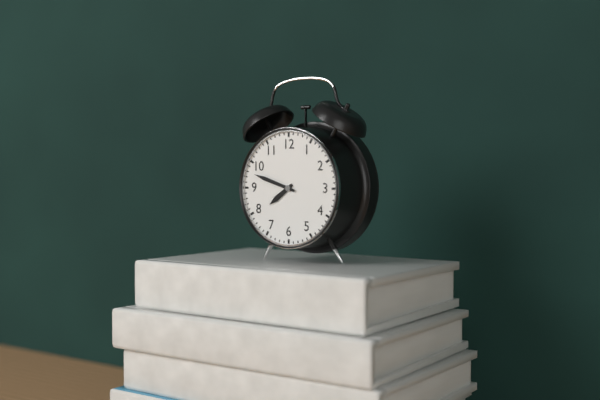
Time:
{"hour": 7, "minute": 48}
